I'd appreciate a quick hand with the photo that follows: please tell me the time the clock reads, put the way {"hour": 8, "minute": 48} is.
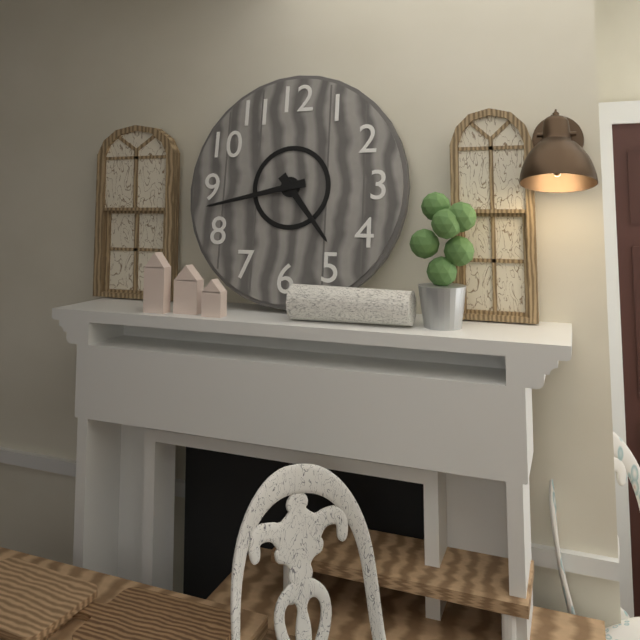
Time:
{"hour": 4, "minute": 43}
